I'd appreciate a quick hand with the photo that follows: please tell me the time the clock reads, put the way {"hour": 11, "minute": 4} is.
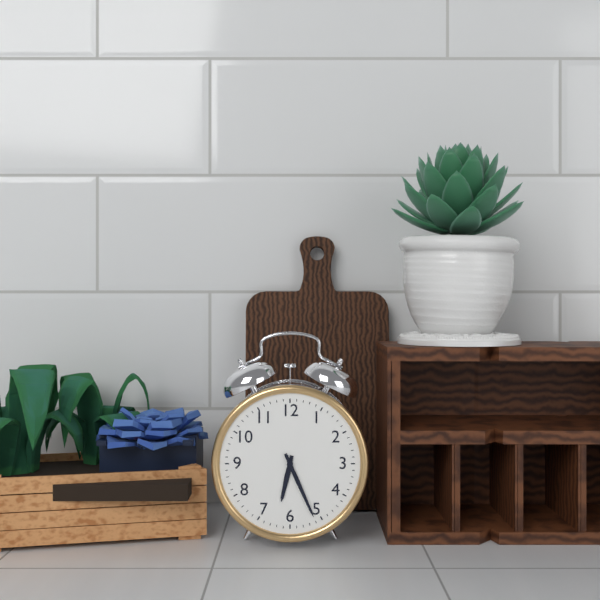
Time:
{"hour": 6, "minute": 26}
